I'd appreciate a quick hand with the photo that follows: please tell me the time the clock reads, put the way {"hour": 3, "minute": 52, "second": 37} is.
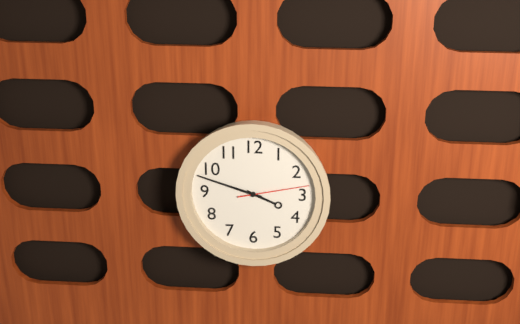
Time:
{"hour": 3, "minute": 48, "second": 13}
